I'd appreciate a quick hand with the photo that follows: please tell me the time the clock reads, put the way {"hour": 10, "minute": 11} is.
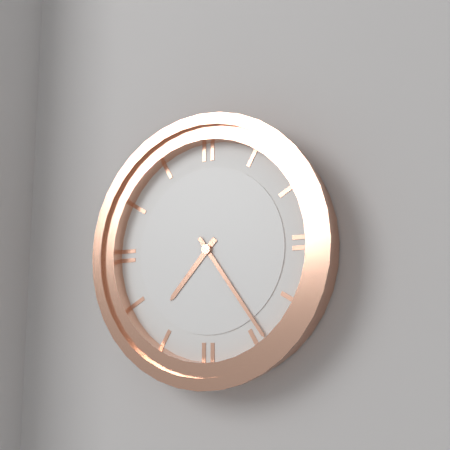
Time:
{"hour": 7, "minute": 24}
